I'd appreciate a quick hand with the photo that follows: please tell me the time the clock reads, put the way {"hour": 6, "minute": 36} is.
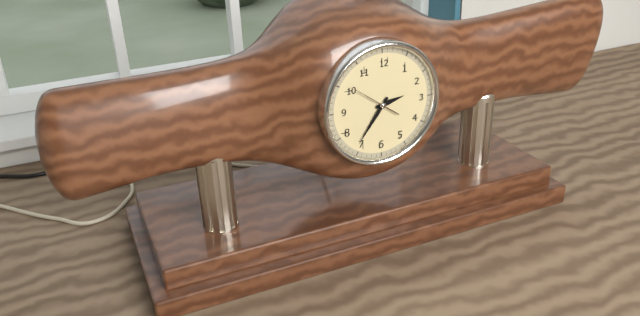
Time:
{"hour": 2, "minute": 36}
